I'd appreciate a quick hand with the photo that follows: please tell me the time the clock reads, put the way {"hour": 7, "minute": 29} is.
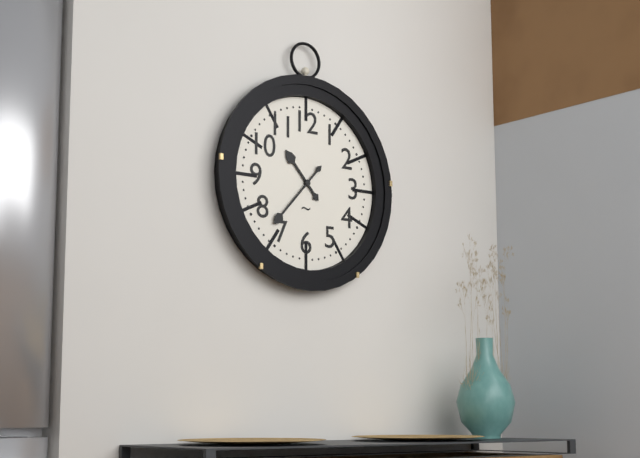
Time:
{"hour": 10, "minute": 37}
